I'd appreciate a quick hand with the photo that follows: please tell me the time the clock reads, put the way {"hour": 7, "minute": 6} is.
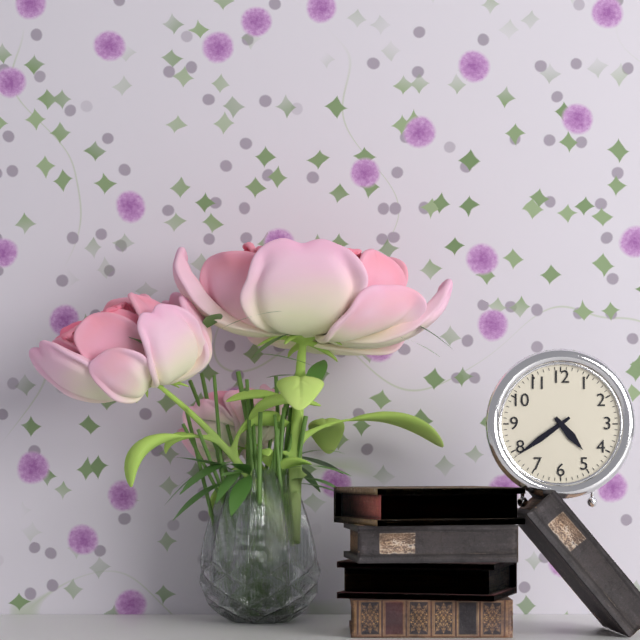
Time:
{"hour": 4, "minute": 39}
